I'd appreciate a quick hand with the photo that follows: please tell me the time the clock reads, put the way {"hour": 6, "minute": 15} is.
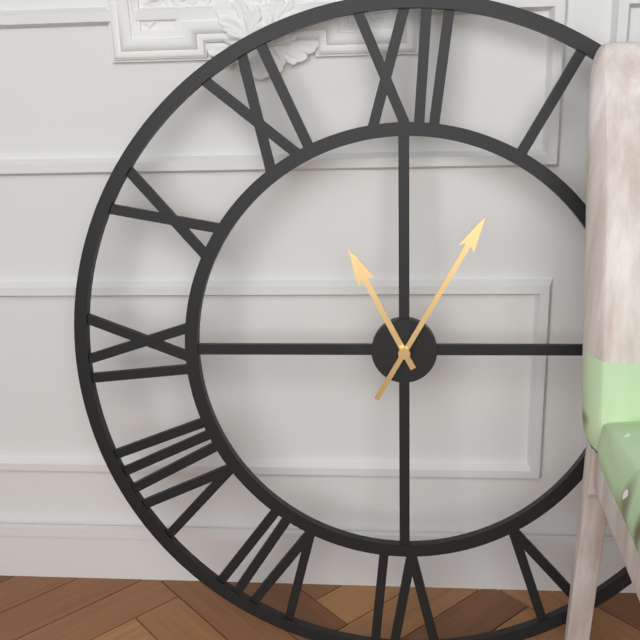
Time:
{"hour": 11, "minute": 5}
